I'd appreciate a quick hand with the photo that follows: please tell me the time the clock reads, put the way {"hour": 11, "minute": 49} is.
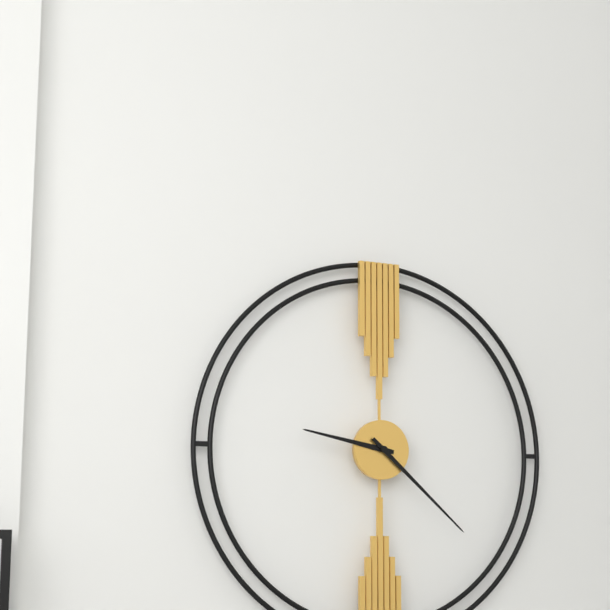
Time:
{"hour": 9, "minute": 22}
